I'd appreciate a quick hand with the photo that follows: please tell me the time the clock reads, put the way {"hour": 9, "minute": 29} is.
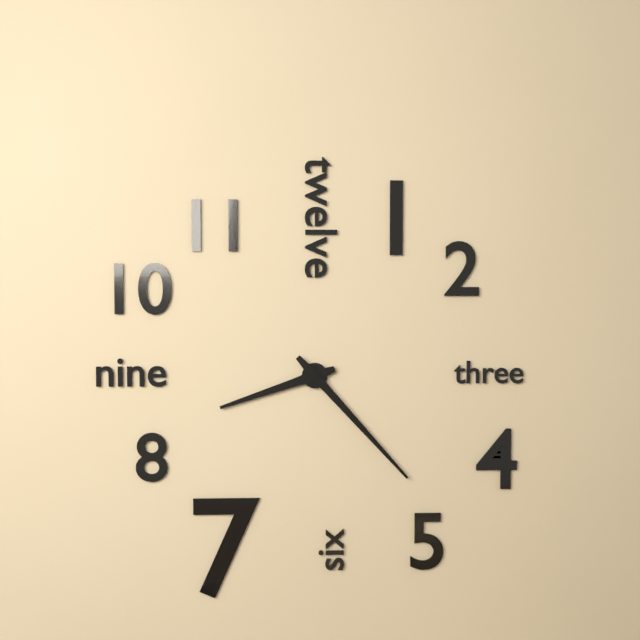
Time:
{"hour": 8, "minute": 23}
